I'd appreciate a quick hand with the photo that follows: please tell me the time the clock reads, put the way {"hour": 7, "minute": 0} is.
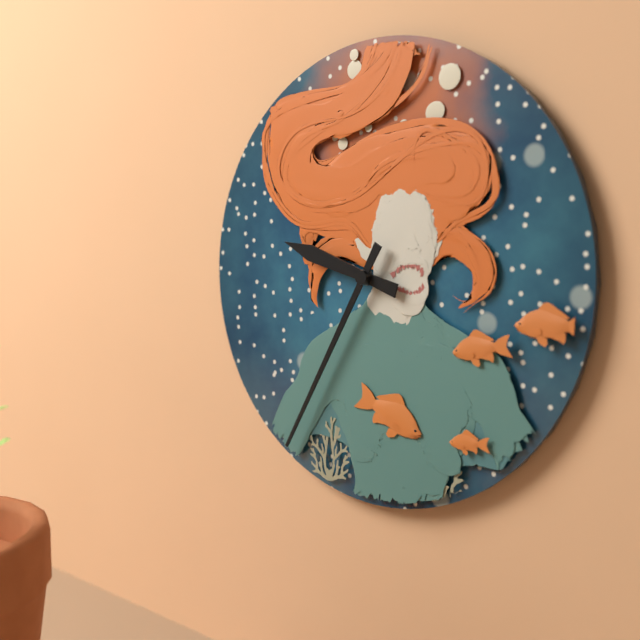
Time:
{"hour": 9, "minute": 35}
